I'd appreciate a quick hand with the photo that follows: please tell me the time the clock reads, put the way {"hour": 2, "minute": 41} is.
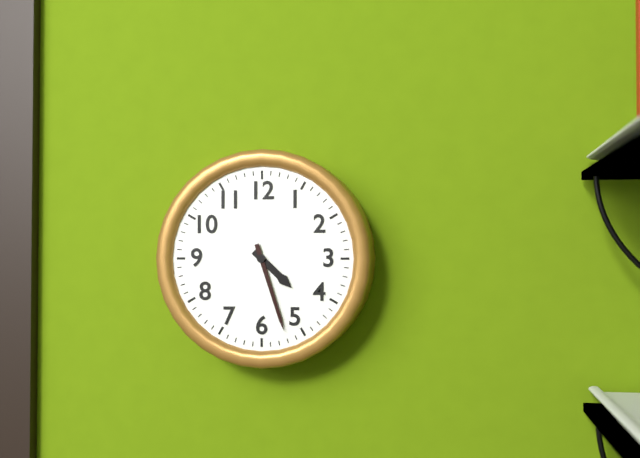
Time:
{"hour": 4, "minute": 27}
